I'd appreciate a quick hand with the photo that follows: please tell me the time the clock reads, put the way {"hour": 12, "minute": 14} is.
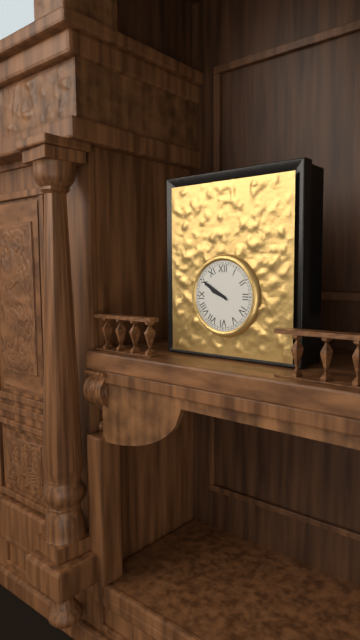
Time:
{"hour": 9, "minute": 50}
